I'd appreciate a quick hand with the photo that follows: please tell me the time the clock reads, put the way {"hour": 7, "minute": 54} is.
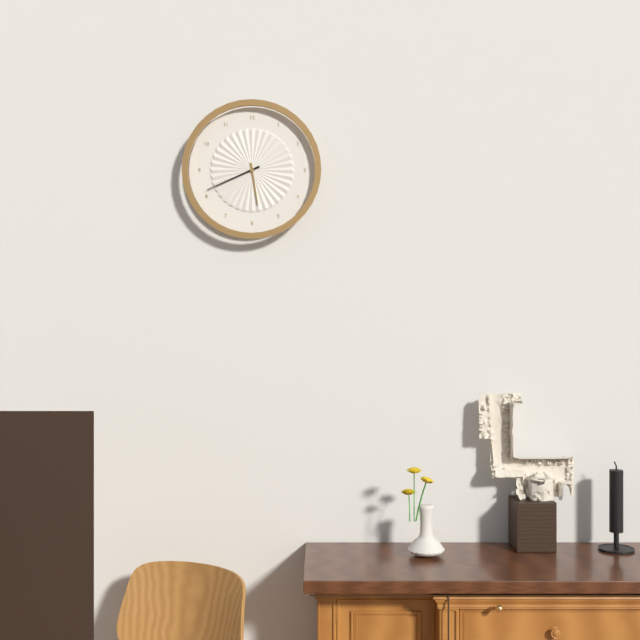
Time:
{"hour": 5, "minute": 41}
